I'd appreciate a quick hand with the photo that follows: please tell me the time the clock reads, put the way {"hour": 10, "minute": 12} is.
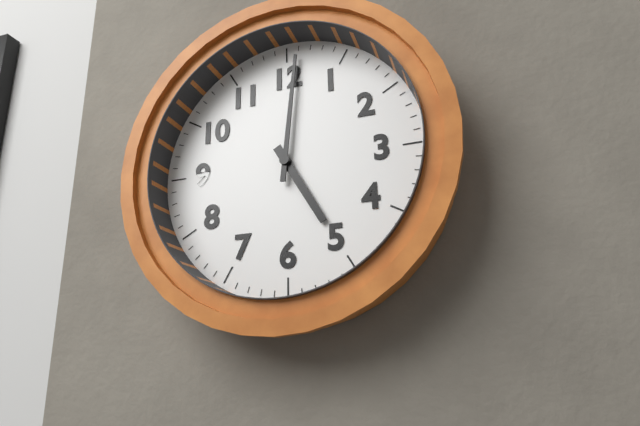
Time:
{"hour": 5, "minute": 1}
